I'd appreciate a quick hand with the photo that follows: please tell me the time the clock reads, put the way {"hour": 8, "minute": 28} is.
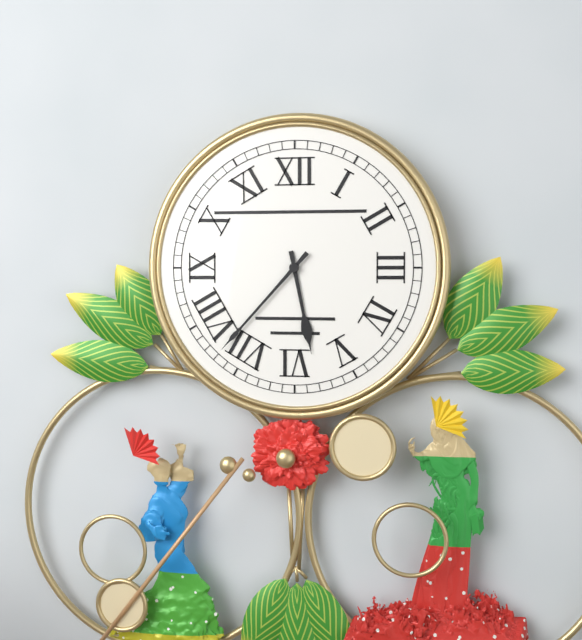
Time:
{"hour": 5, "minute": 37}
